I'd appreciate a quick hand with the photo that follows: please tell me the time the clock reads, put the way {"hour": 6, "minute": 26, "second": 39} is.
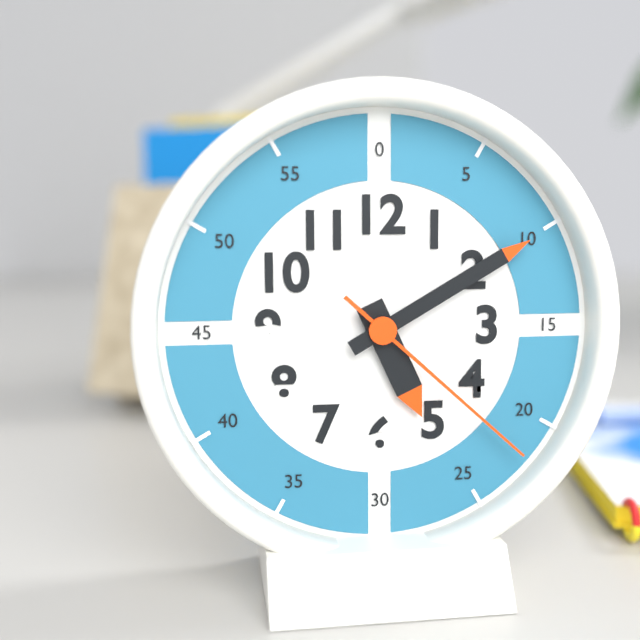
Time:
{"hour": 5, "minute": 10, "second": 22}
